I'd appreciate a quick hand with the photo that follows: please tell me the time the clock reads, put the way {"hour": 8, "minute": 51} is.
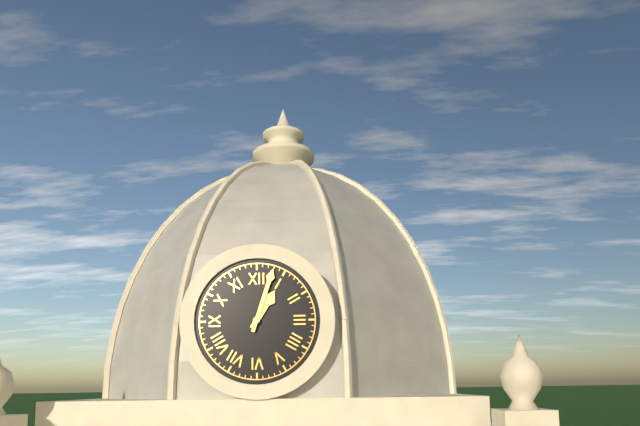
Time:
{"hour": 1, "minute": 3}
